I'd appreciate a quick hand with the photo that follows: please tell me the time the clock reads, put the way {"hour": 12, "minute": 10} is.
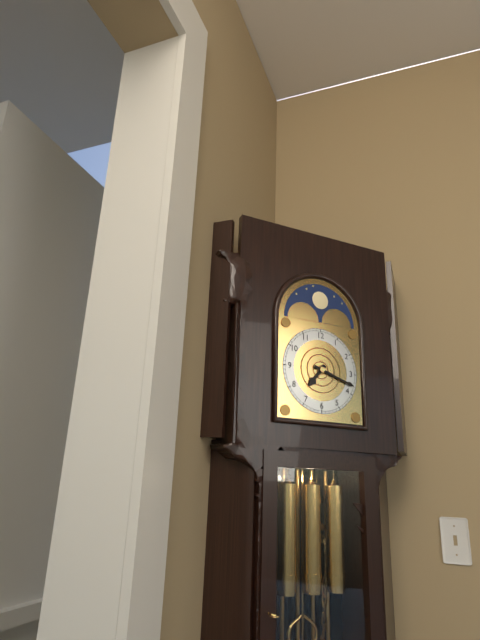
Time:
{"hour": 7, "minute": 18}
